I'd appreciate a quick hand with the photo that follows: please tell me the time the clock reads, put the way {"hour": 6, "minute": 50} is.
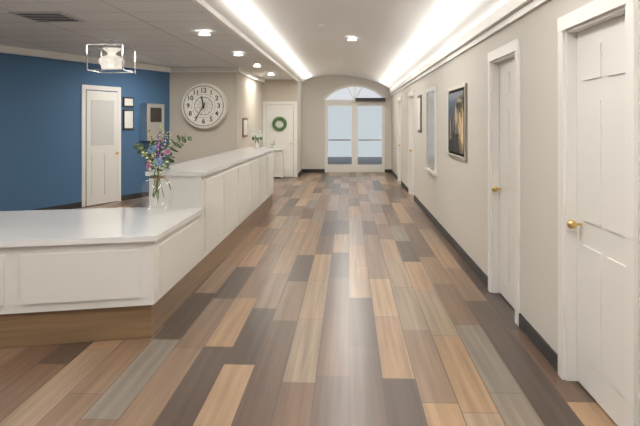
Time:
{"hour": 11, "minute": 35}
